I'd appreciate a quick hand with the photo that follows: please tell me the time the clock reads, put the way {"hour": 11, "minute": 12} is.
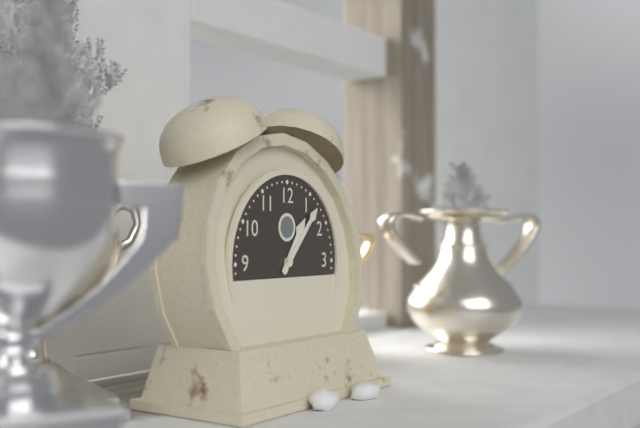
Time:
{"hour": 1, "minute": 7}
